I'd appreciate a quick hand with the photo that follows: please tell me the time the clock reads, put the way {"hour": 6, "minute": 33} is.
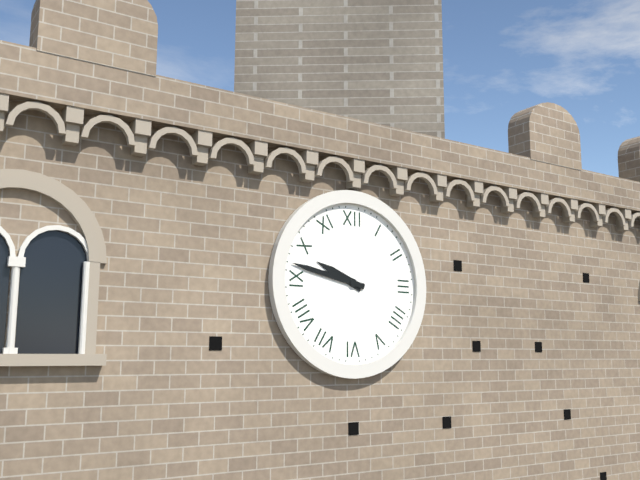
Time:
{"hour": 9, "minute": 47}
